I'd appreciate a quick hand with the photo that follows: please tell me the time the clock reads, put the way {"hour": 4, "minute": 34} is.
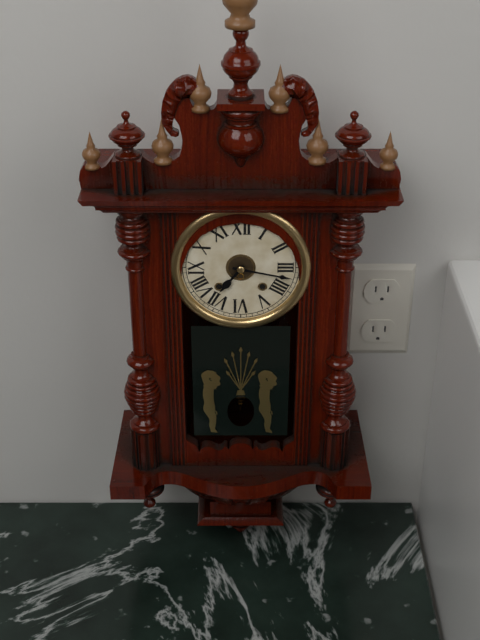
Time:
{"hour": 7, "minute": 17}
